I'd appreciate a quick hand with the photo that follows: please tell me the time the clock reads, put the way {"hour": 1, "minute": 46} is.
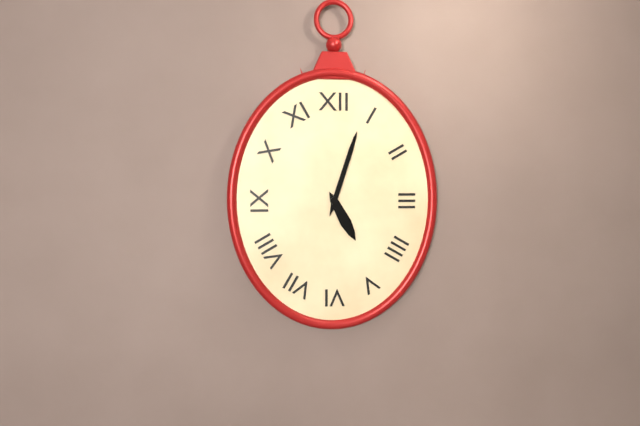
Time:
{"hour": 5, "minute": 3}
